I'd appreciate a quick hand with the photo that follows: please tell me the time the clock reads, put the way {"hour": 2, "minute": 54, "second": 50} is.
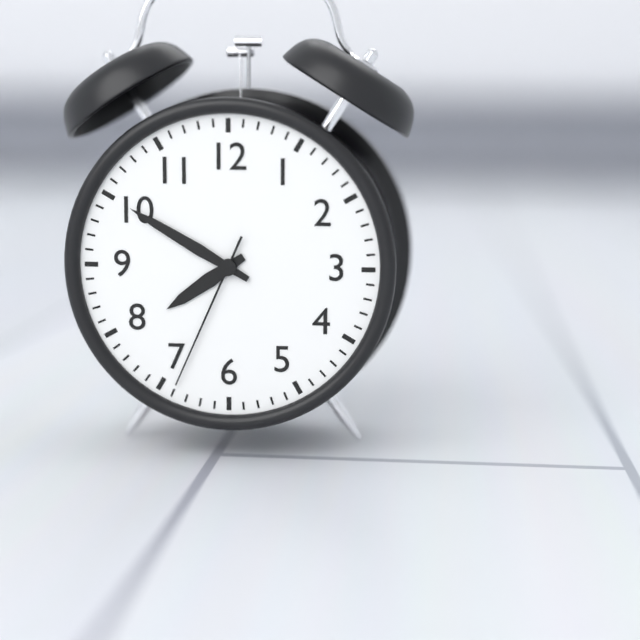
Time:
{"hour": 7, "minute": 50, "second": 34}
